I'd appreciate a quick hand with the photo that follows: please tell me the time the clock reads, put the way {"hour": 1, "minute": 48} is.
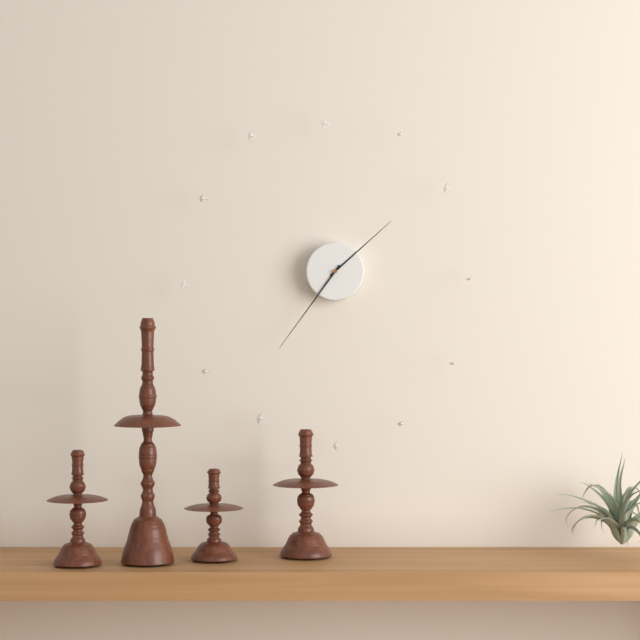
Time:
{"hour": 1, "minute": 36}
